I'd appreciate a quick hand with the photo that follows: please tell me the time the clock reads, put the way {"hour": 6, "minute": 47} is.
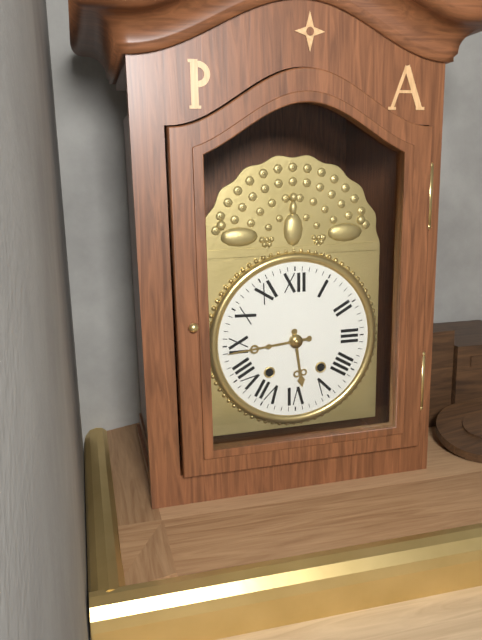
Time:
{"hour": 5, "minute": 44}
